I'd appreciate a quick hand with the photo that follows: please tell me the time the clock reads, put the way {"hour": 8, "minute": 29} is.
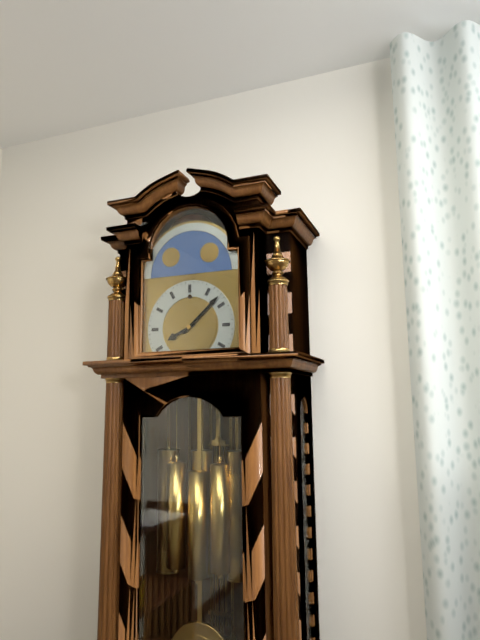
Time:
{"hour": 8, "minute": 8}
